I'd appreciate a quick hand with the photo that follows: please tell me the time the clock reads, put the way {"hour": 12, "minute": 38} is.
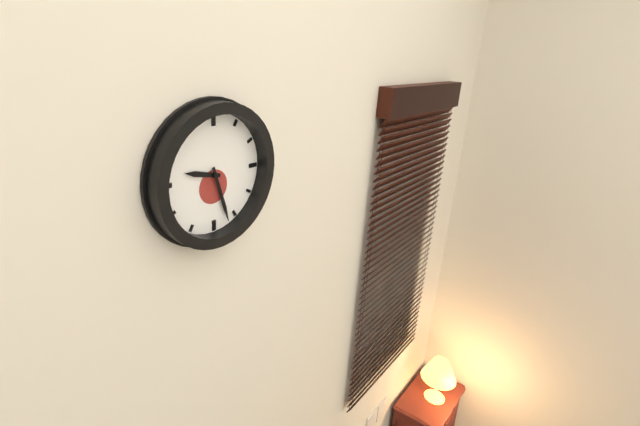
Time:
{"hour": 9, "minute": 27}
